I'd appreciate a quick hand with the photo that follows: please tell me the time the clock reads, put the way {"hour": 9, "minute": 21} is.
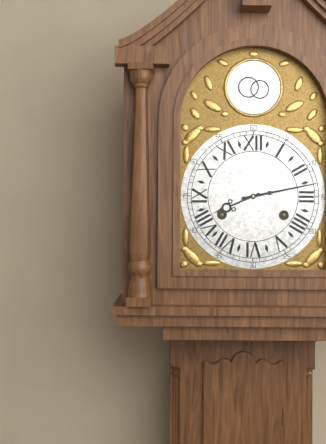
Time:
{"hour": 8, "minute": 13}
